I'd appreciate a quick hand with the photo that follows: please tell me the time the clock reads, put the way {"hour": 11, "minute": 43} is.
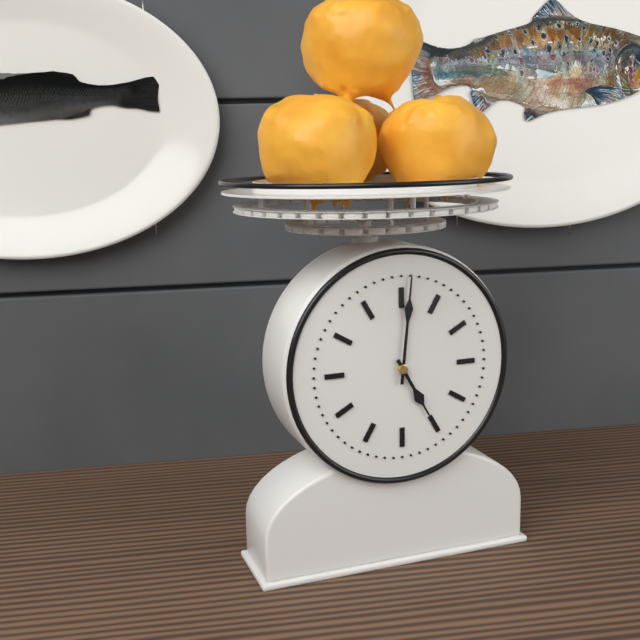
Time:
{"hour": 5, "minute": 1}
